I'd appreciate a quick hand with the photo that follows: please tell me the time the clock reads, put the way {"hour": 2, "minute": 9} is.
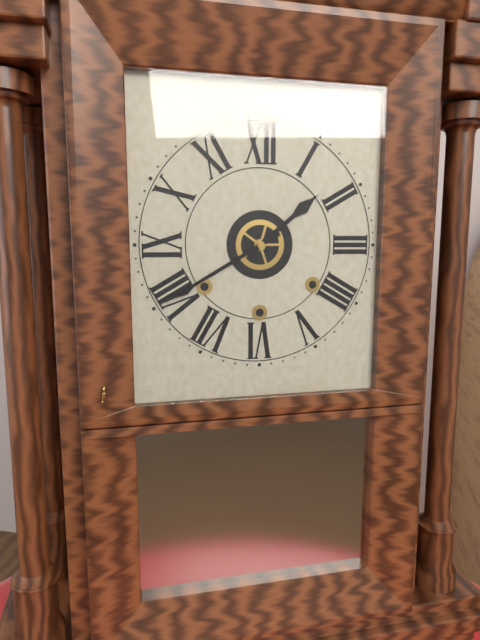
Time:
{"hour": 1, "minute": 40}
